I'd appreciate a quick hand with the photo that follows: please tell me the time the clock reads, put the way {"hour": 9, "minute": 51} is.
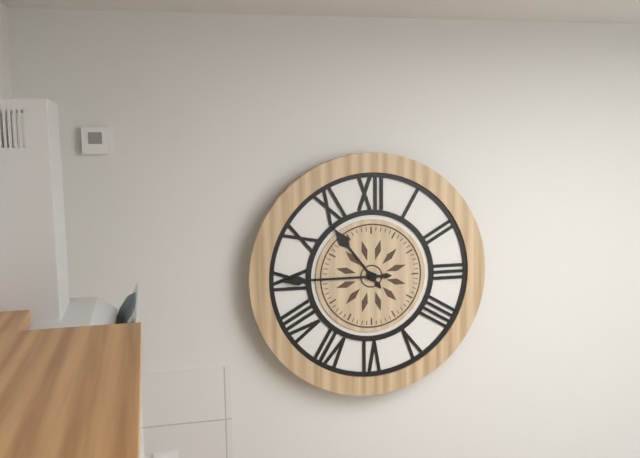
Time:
{"hour": 10, "minute": 45}
